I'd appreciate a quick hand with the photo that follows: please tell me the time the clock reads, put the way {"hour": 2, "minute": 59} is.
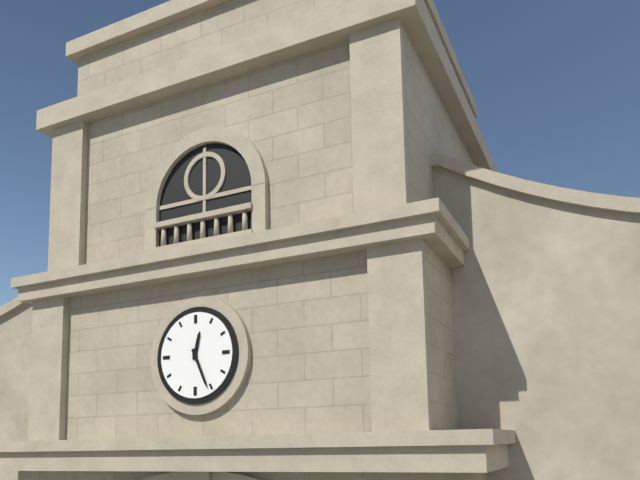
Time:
{"hour": 12, "minute": 26}
